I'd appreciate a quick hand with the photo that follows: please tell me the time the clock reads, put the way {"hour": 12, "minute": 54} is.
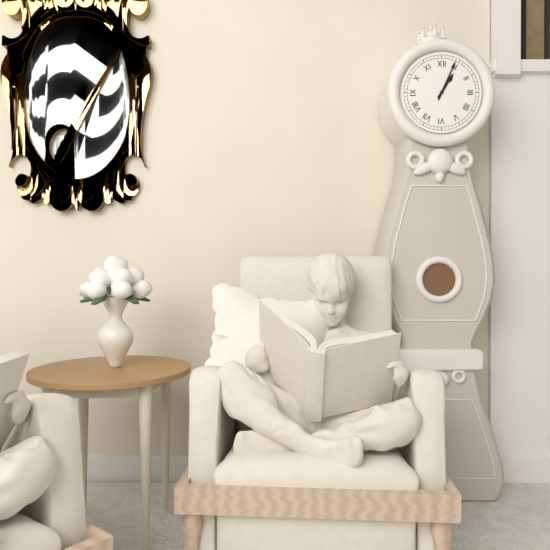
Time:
{"hour": 1, "minute": 4}
